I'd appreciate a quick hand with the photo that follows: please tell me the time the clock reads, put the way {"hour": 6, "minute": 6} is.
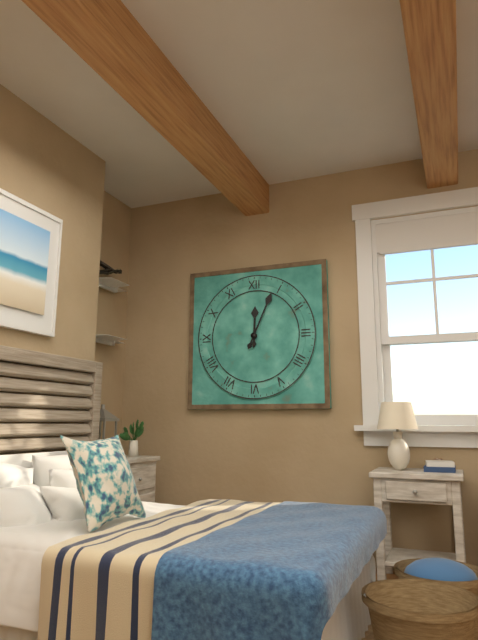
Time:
{"hour": 12, "minute": 4}
